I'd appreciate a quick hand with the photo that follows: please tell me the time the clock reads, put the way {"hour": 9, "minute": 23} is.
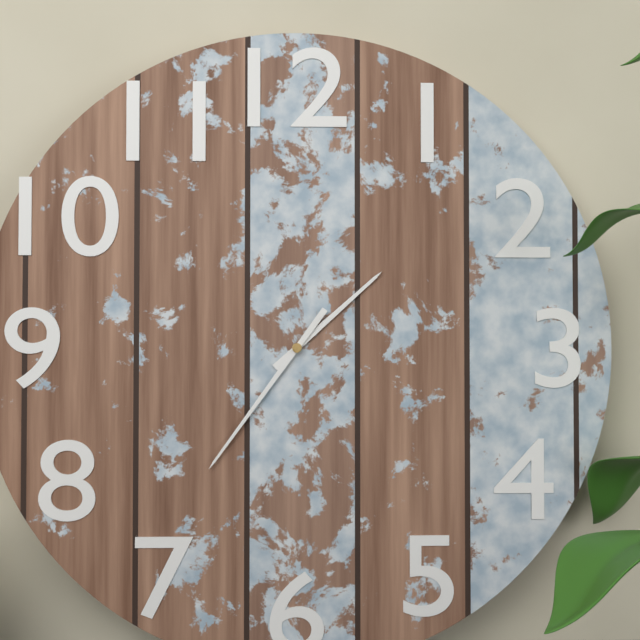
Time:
{"hour": 1, "minute": 36}
